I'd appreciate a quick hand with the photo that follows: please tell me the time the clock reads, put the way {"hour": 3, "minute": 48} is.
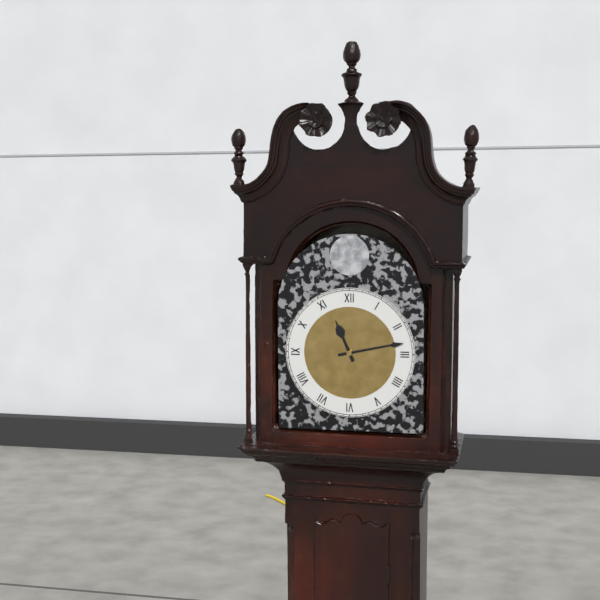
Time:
{"hour": 11, "minute": 13}
